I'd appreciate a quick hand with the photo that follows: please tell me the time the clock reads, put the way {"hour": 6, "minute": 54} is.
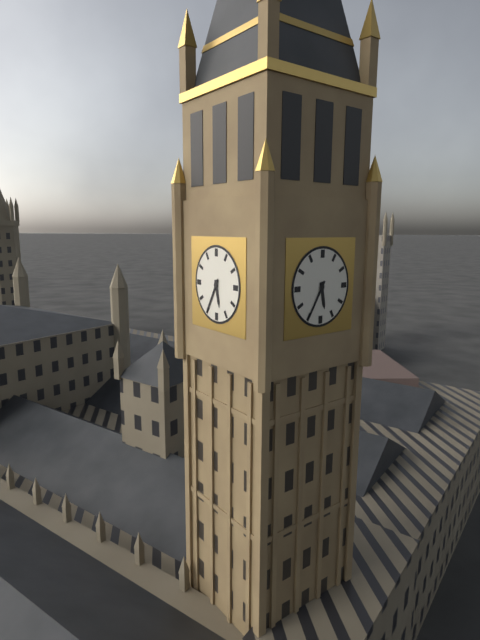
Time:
{"hour": 5, "minute": 35}
